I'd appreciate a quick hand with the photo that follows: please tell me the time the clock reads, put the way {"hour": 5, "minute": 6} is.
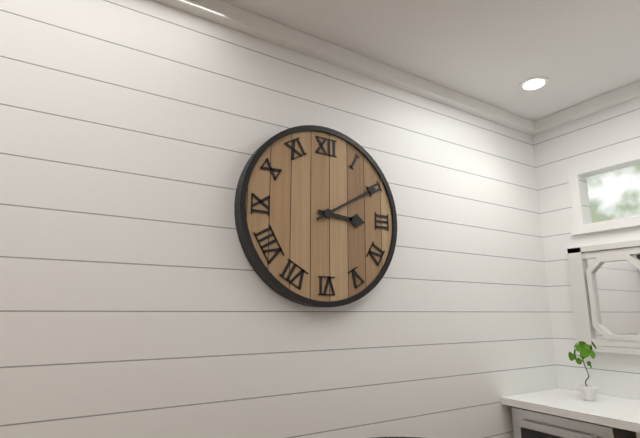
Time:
{"hour": 3, "minute": 10}
